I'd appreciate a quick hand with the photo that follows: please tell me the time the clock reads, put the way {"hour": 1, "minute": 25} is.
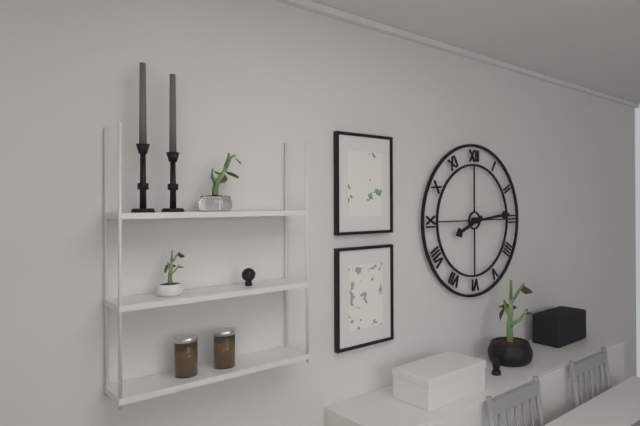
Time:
{"hour": 8, "minute": 14}
